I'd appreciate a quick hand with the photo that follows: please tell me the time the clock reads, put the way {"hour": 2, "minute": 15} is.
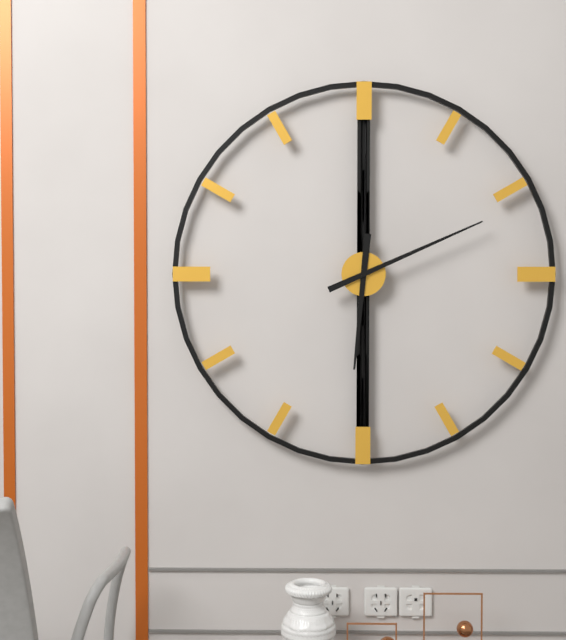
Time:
{"hour": 6, "minute": 11}
